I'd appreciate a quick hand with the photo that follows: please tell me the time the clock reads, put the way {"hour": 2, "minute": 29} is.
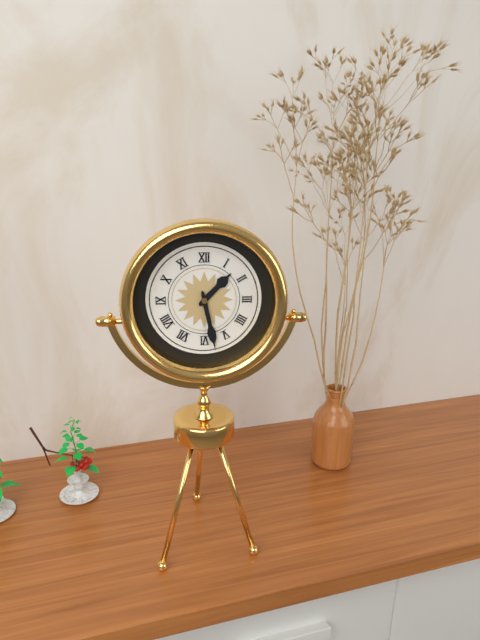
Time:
{"hour": 1, "minute": 28}
